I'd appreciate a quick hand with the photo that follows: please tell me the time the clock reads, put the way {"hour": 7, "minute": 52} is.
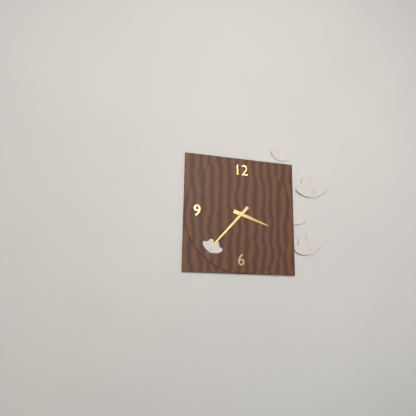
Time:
{"hour": 3, "minute": 37}
